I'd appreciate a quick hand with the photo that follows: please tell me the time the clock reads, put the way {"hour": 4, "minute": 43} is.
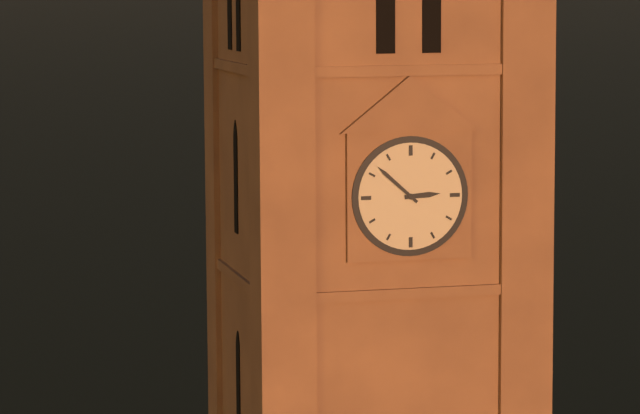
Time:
{"hour": 2, "minute": 52}
